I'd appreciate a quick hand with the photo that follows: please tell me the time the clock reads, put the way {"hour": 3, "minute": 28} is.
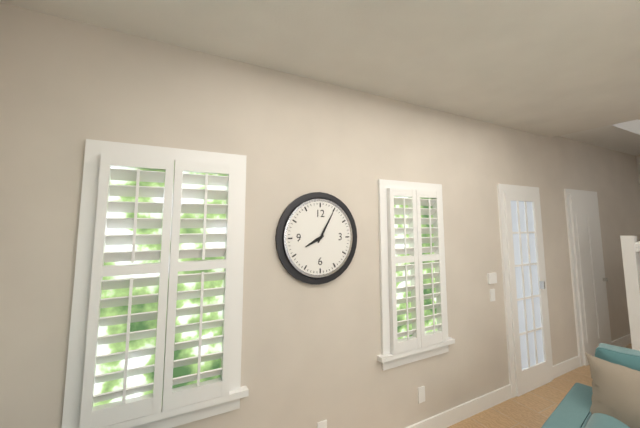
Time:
{"hour": 8, "minute": 5}
